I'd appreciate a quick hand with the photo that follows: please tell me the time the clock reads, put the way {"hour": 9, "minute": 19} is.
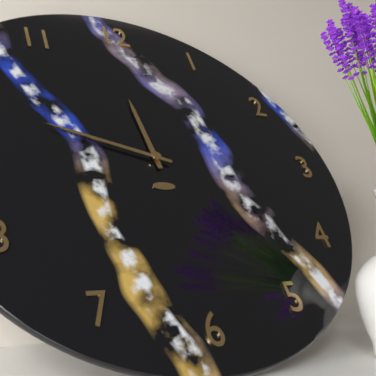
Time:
{"hour": 11, "minute": 48}
